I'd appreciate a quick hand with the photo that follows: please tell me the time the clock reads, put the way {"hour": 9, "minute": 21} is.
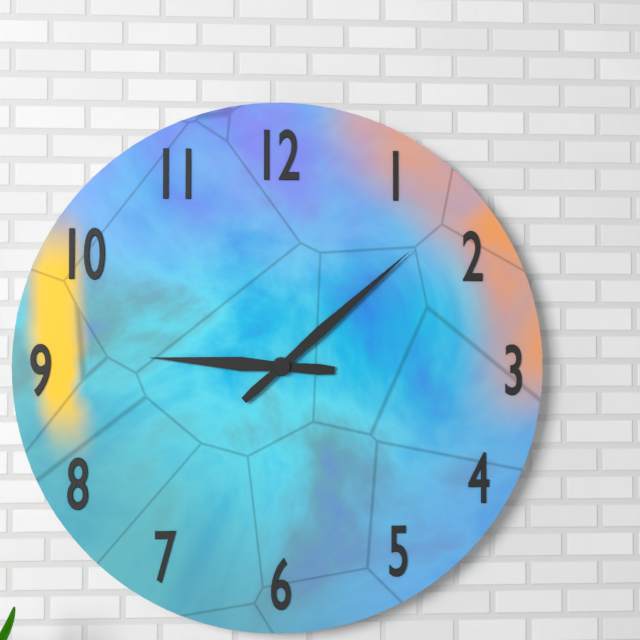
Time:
{"hour": 9, "minute": 8}
